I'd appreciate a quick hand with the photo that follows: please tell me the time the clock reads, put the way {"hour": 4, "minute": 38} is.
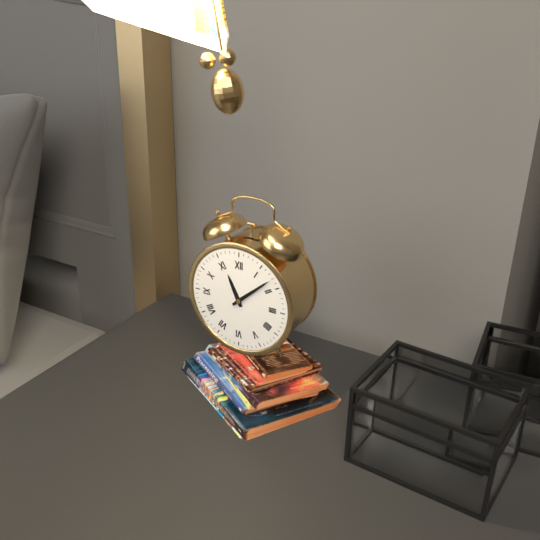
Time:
{"hour": 11, "minute": 8}
